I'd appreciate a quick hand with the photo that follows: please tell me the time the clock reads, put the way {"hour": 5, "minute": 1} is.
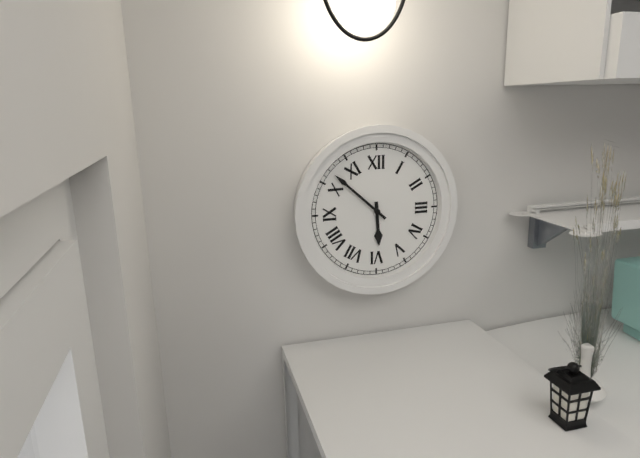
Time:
{"hour": 5, "minute": 52}
